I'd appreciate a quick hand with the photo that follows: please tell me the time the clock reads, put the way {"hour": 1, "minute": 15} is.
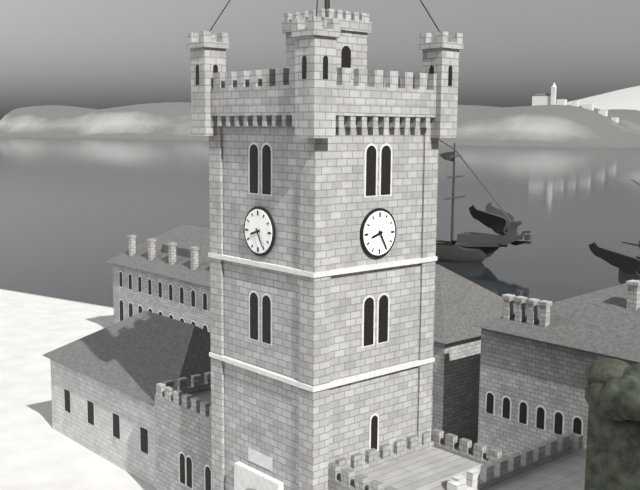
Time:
{"hour": 8, "minute": 25}
